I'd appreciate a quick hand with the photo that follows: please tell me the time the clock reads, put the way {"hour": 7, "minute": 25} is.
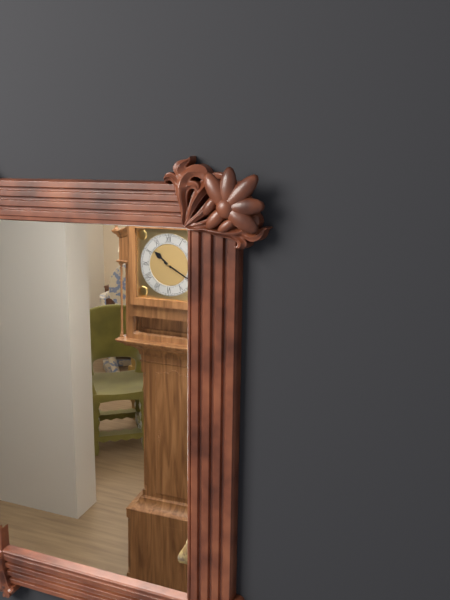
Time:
{"hour": 10, "minute": 20}
